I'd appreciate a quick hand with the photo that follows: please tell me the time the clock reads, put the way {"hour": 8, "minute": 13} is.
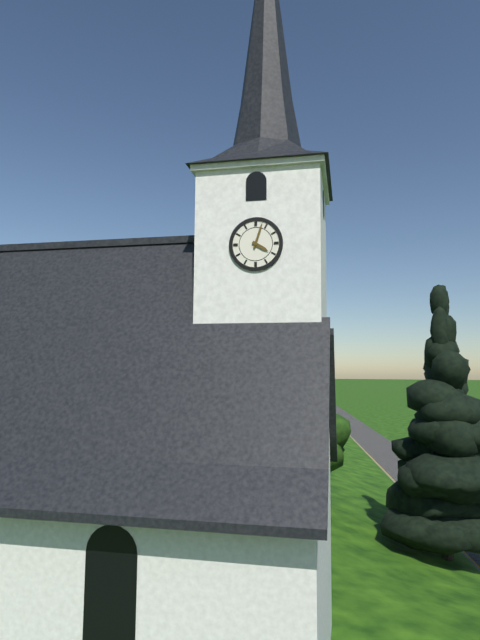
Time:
{"hour": 4, "minute": 3}
